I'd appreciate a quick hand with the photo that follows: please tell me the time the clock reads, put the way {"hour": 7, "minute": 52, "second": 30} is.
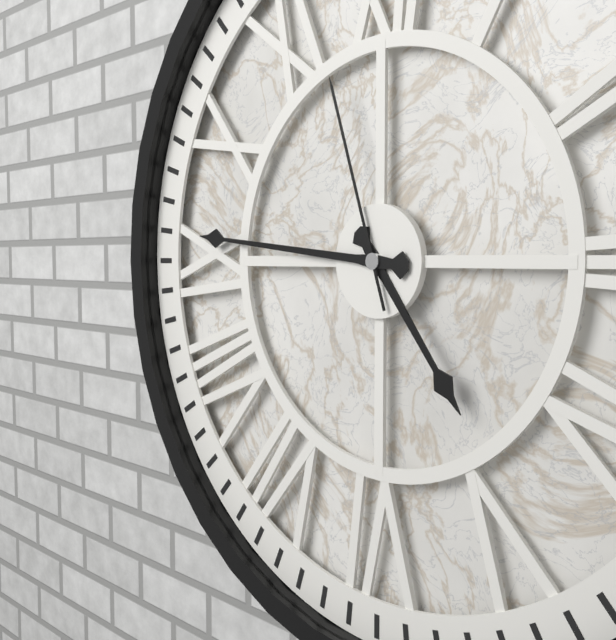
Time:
{"hour": 4, "minute": 46, "second": 57}
